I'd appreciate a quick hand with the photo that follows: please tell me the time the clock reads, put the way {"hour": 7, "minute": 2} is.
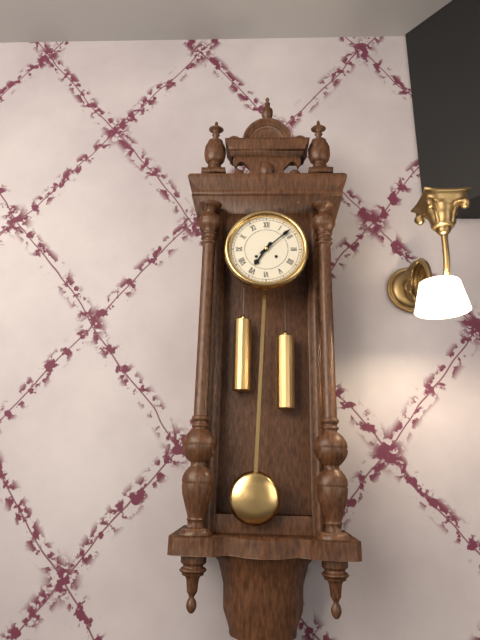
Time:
{"hour": 7, "minute": 8}
